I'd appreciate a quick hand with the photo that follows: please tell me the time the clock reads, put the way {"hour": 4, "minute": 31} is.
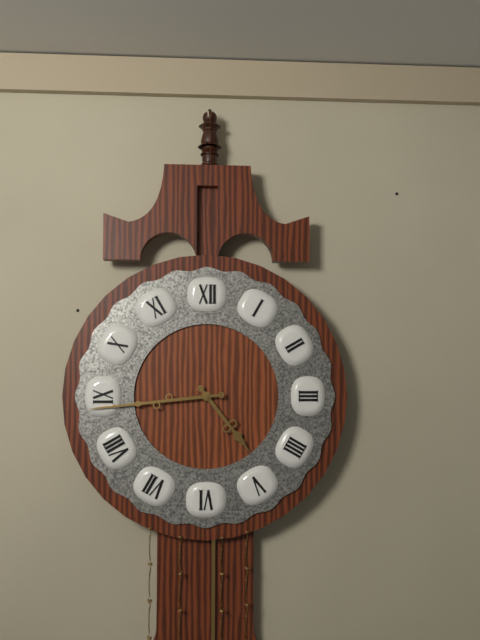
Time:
{"hour": 4, "minute": 44}
